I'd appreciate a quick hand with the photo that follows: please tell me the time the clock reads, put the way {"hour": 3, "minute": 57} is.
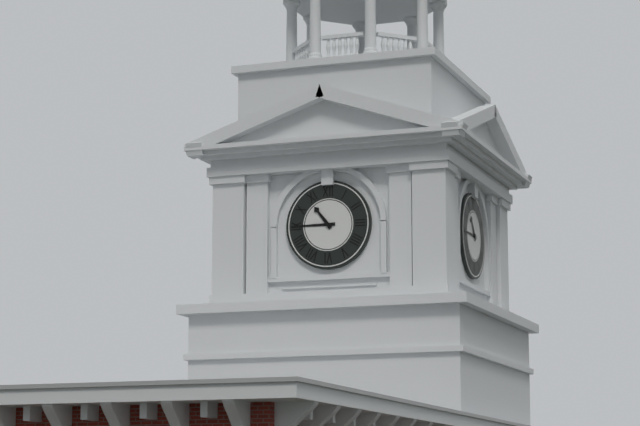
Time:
{"hour": 10, "minute": 45}
